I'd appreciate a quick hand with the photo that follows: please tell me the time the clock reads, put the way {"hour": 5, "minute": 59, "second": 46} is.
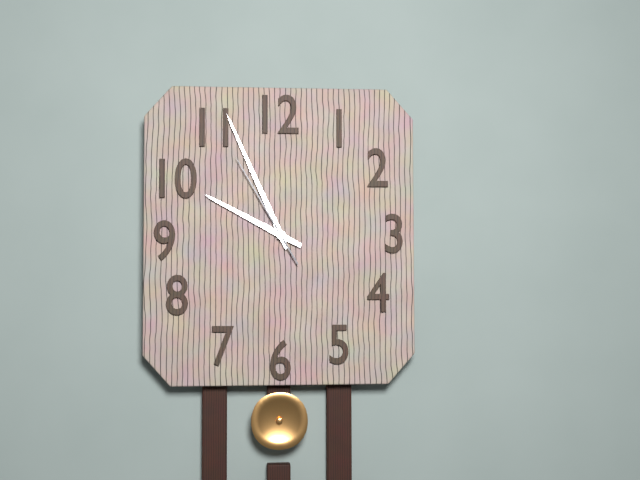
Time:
{"hour": 9, "minute": 56, "second": 55}
